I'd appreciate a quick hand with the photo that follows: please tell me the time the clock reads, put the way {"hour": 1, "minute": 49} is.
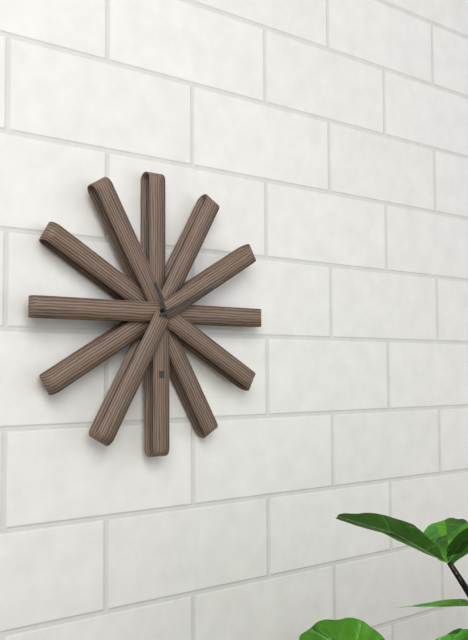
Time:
{"hour": 11, "minute": 11}
